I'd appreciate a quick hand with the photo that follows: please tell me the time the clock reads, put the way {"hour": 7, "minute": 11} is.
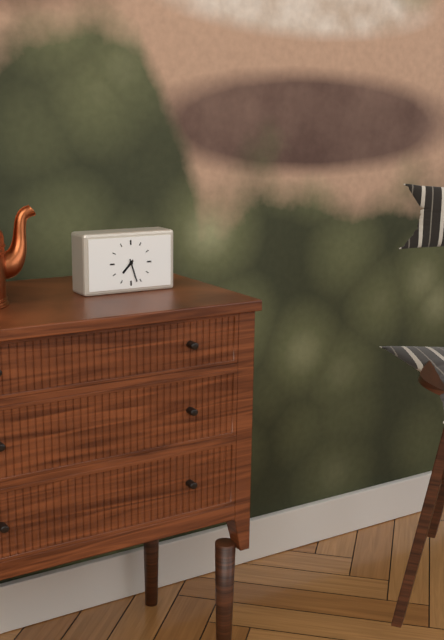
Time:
{"hour": 7, "minute": 27}
